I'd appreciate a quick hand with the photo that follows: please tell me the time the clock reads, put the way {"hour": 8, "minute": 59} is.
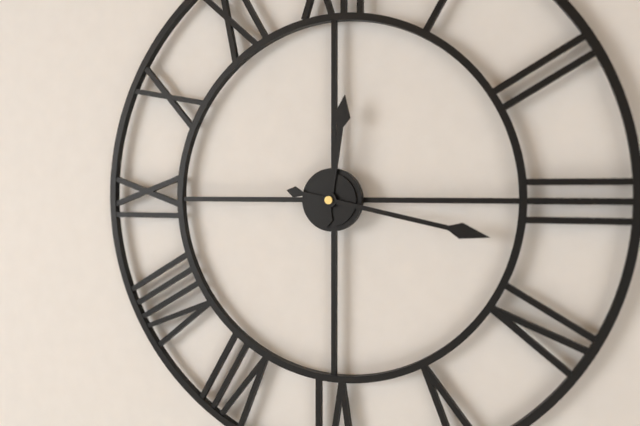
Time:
{"hour": 12, "minute": 17}
